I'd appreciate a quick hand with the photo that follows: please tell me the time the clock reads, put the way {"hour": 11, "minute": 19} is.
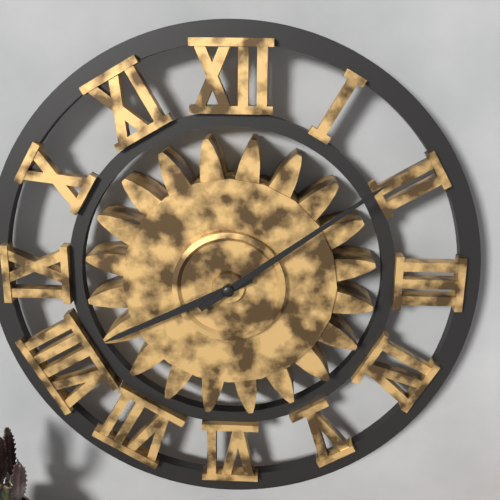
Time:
{"hour": 8, "minute": 9}
